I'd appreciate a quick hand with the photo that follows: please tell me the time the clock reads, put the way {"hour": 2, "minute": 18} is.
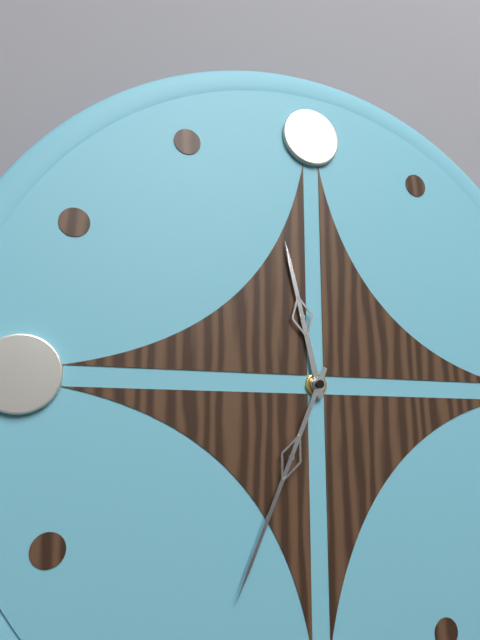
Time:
{"hour": 11, "minute": 34}
